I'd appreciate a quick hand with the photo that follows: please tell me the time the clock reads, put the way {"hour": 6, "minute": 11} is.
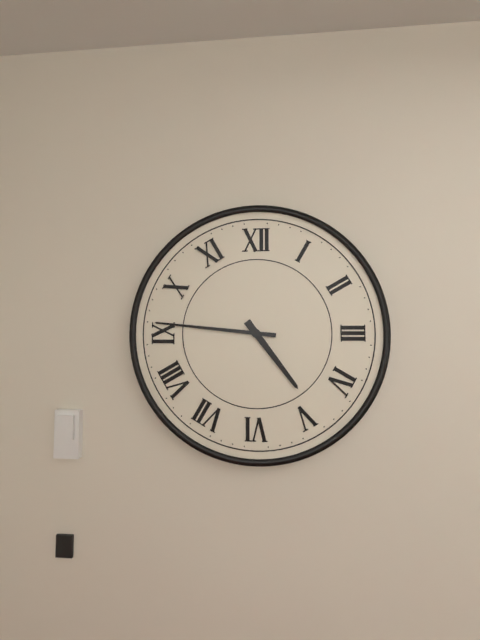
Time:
{"hour": 4, "minute": 46}
